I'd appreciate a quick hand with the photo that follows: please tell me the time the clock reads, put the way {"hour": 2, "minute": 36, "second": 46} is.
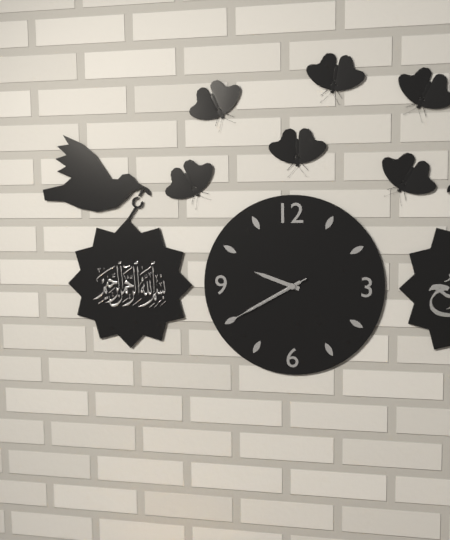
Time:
{"hour": 9, "minute": 40, "second": 40}
